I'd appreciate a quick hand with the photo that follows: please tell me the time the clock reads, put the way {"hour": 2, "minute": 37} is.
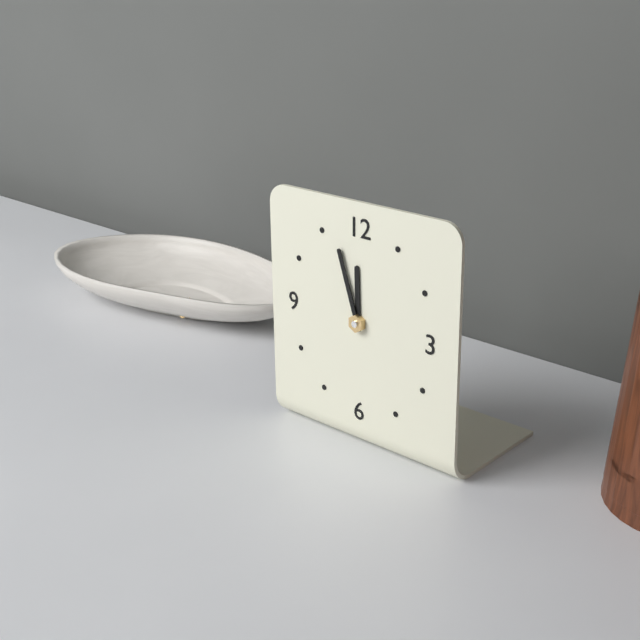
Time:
{"hour": 11, "minute": 57}
